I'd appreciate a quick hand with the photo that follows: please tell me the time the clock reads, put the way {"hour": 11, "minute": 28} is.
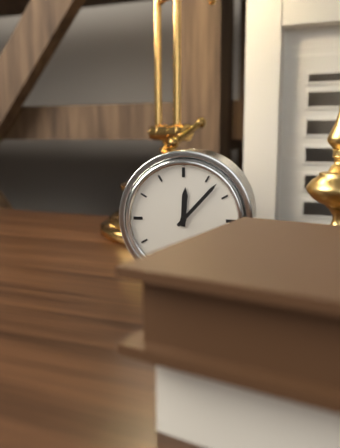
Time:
{"hour": 12, "minute": 7}
